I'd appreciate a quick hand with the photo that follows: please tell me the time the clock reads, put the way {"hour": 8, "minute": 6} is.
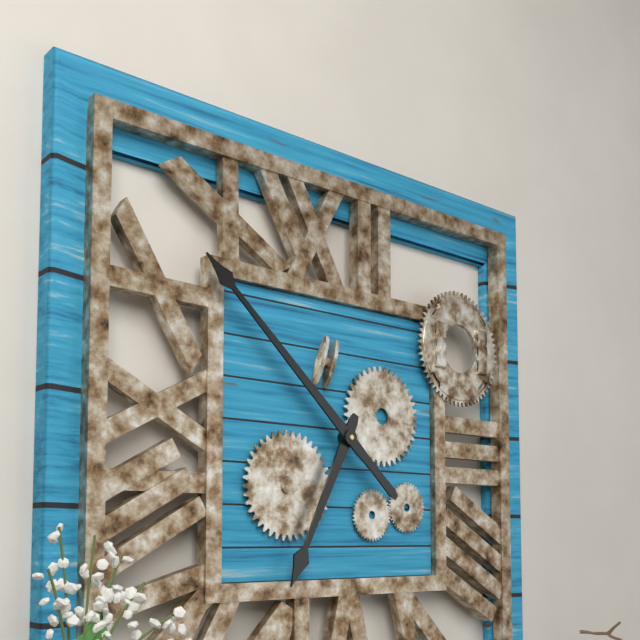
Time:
{"hour": 6, "minute": 52}
